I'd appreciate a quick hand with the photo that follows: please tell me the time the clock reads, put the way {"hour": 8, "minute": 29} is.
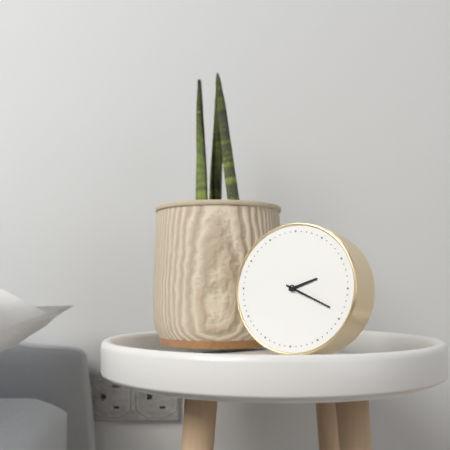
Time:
{"hour": 2, "minute": 19}
